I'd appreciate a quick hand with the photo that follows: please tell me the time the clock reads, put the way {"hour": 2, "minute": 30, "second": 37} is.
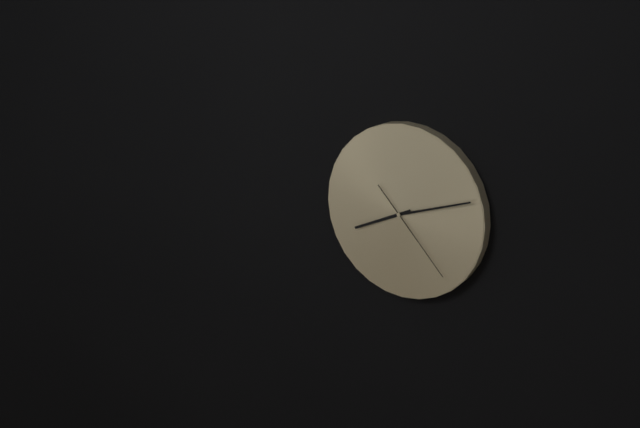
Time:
{"hour": 8, "minute": 12, "second": 23}
